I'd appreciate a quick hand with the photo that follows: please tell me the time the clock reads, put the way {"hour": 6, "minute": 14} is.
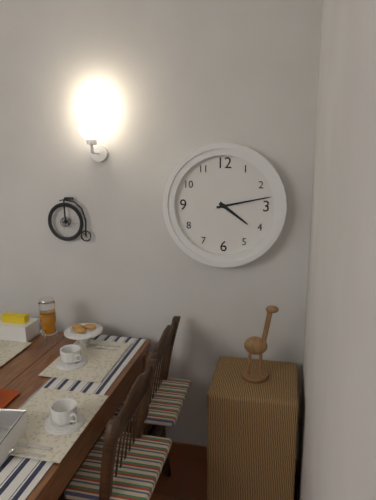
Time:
{"hour": 4, "minute": 13}
